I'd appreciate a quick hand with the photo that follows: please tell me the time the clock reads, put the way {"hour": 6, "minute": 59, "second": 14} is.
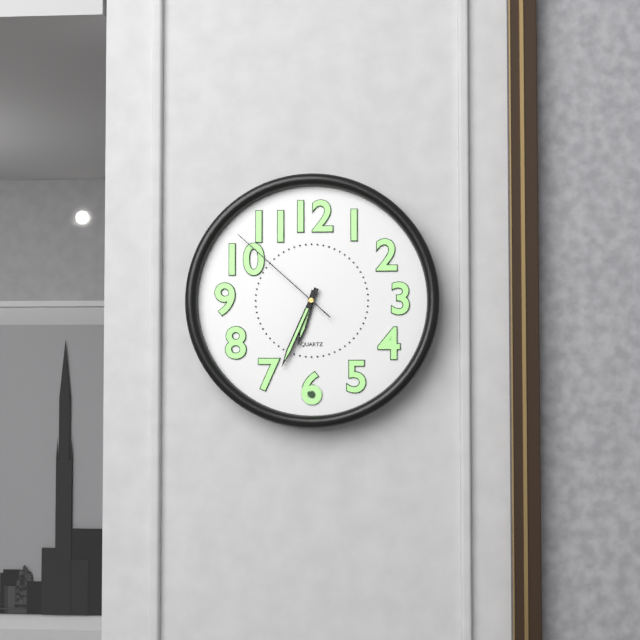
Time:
{"hour": 6, "minute": 34, "second": 52}
